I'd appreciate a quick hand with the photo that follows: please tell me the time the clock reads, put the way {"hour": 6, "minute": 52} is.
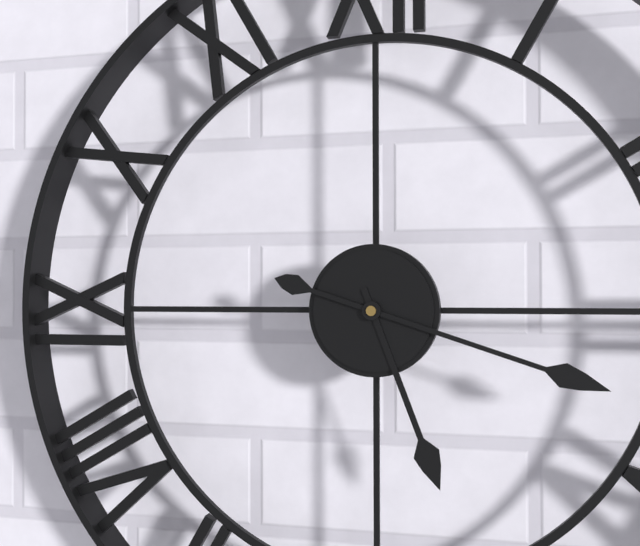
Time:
{"hour": 5, "minute": 18}
